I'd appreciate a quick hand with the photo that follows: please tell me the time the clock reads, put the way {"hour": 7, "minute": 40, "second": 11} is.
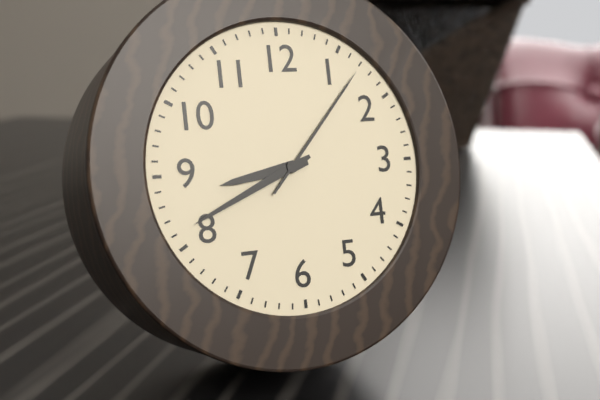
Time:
{"hour": 8, "minute": 41, "second": 7}
